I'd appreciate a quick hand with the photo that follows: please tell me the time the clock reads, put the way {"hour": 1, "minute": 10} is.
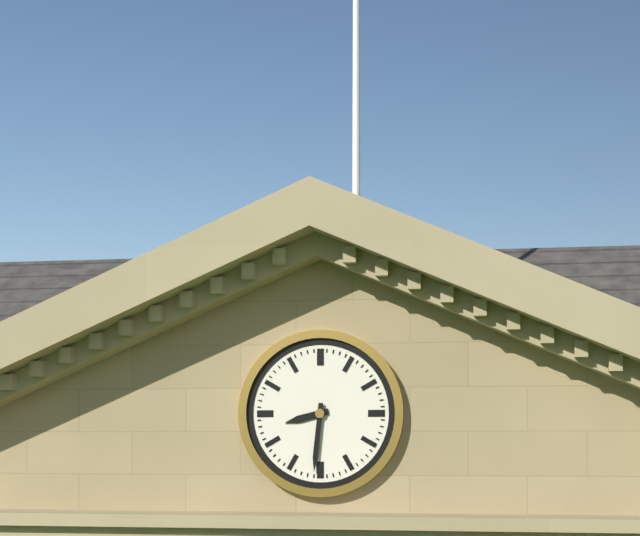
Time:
{"hour": 8, "minute": 31}
